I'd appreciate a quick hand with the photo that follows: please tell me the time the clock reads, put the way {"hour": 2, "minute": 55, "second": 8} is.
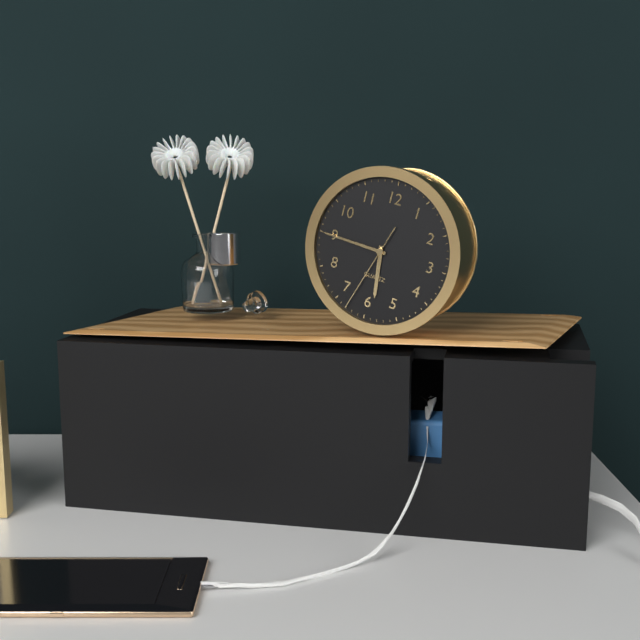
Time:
{"hour": 5, "minute": 45, "second": 33}
